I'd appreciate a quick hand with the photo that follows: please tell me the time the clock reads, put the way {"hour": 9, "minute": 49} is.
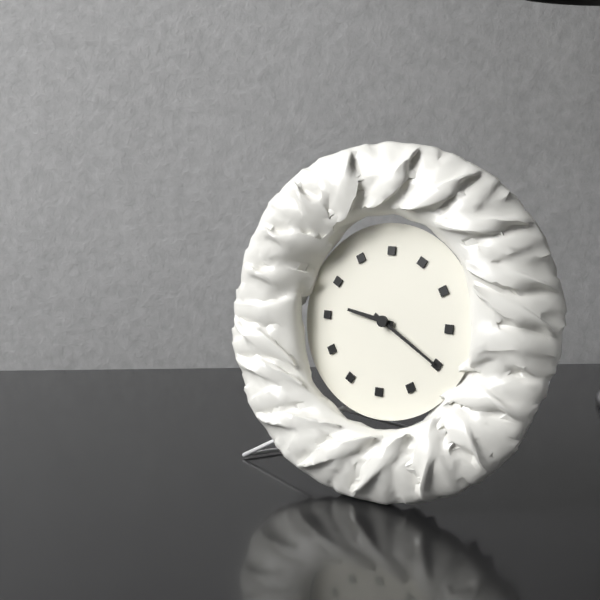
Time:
{"hour": 9, "minute": 20}
